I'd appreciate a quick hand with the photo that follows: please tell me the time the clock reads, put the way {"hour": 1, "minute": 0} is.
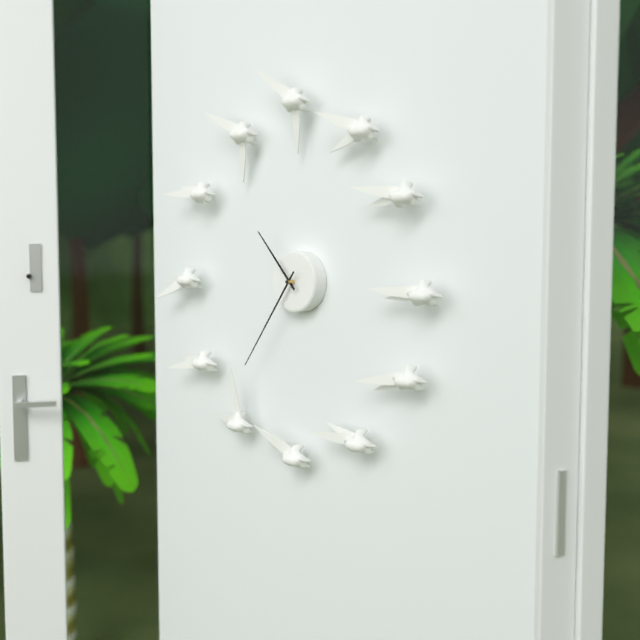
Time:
{"hour": 10, "minute": 36}
